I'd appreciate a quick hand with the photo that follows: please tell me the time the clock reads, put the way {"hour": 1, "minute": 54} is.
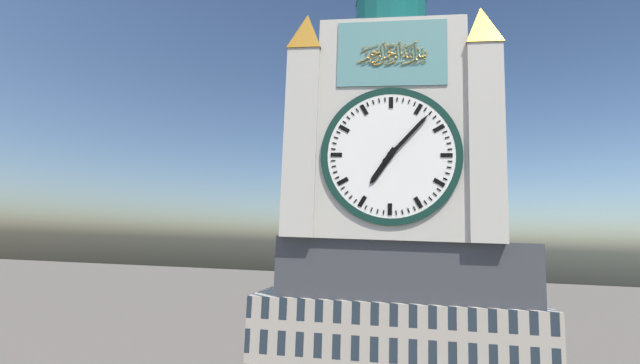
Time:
{"hour": 7, "minute": 7}
